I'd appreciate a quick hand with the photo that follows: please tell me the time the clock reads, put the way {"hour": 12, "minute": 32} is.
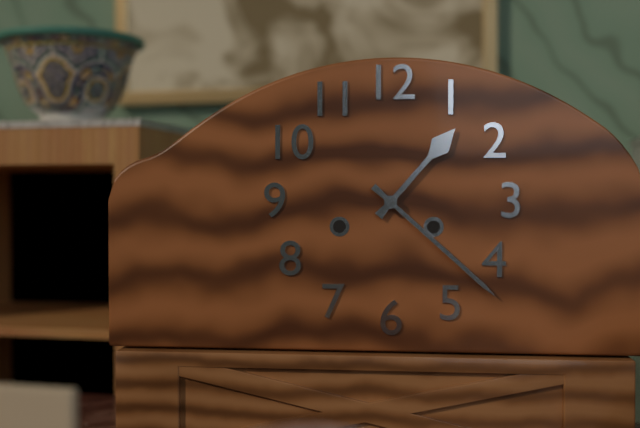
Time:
{"hour": 1, "minute": 22}
